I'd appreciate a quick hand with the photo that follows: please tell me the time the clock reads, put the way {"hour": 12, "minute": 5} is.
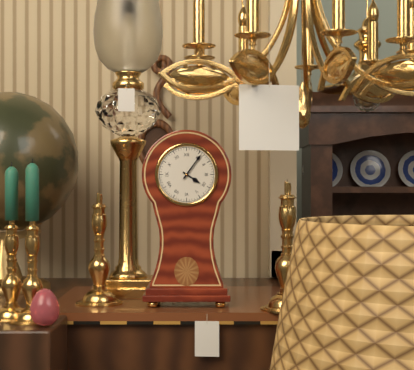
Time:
{"hour": 4, "minute": 6}
